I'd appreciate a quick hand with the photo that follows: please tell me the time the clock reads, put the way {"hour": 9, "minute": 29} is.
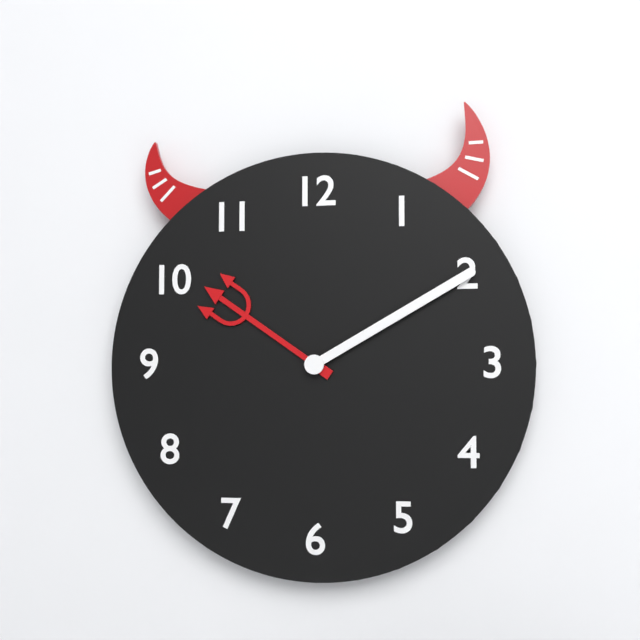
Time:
{"hour": 10, "minute": 10}
